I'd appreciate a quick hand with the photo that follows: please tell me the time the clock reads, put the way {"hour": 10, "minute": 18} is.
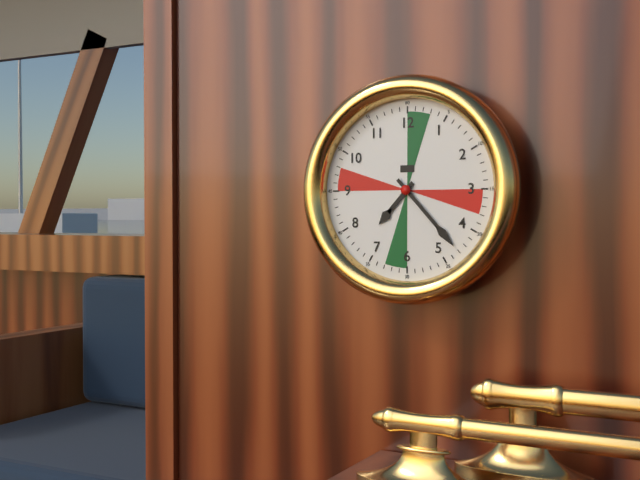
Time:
{"hour": 7, "minute": 23}
